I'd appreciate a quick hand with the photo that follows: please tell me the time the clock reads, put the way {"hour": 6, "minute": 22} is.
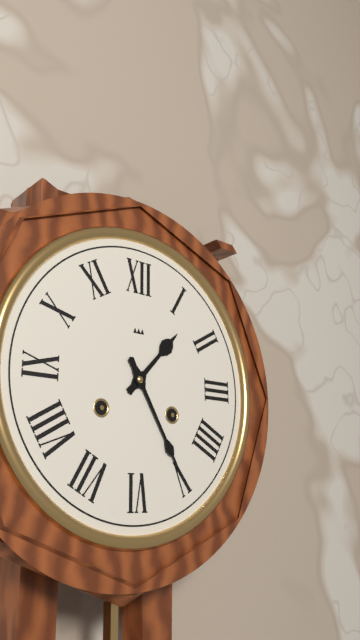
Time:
{"hour": 1, "minute": 25}
